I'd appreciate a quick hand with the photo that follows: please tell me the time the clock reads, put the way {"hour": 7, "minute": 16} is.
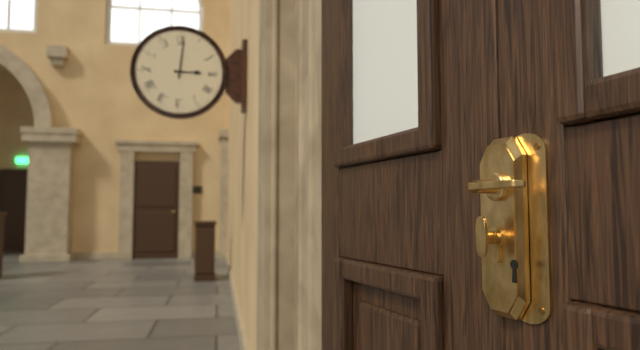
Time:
{"hour": 3, "minute": 1}
